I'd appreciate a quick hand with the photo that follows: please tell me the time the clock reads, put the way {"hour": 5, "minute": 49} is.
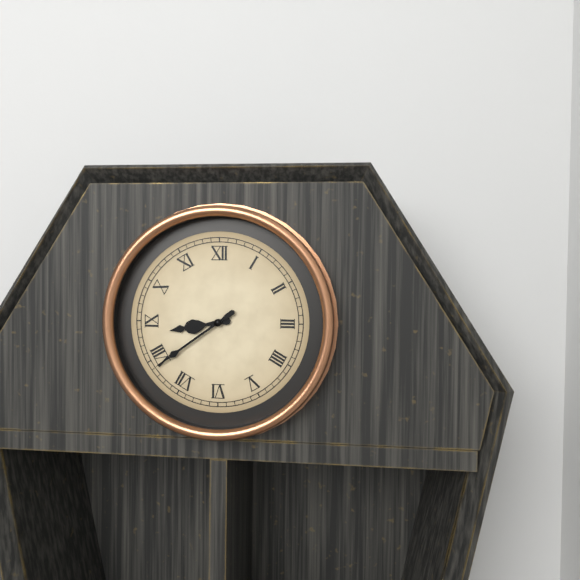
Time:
{"hour": 8, "minute": 39}
